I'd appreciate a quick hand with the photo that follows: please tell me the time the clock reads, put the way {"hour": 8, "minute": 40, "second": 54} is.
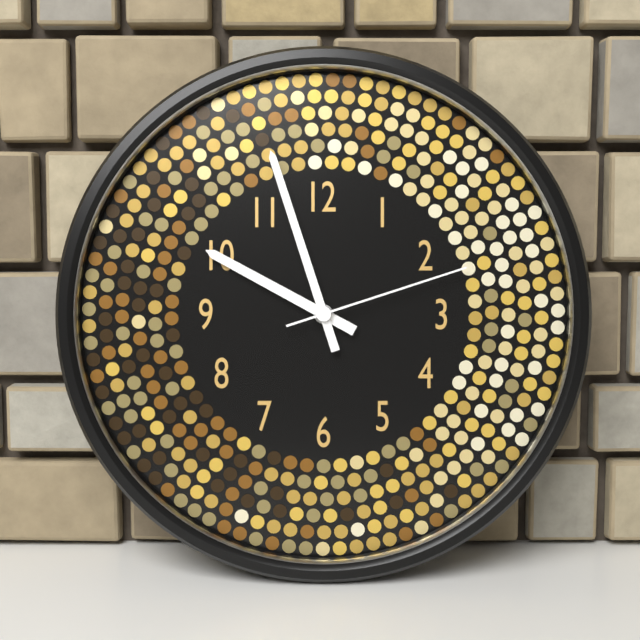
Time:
{"hour": 9, "minute": 57, "second": 12}
